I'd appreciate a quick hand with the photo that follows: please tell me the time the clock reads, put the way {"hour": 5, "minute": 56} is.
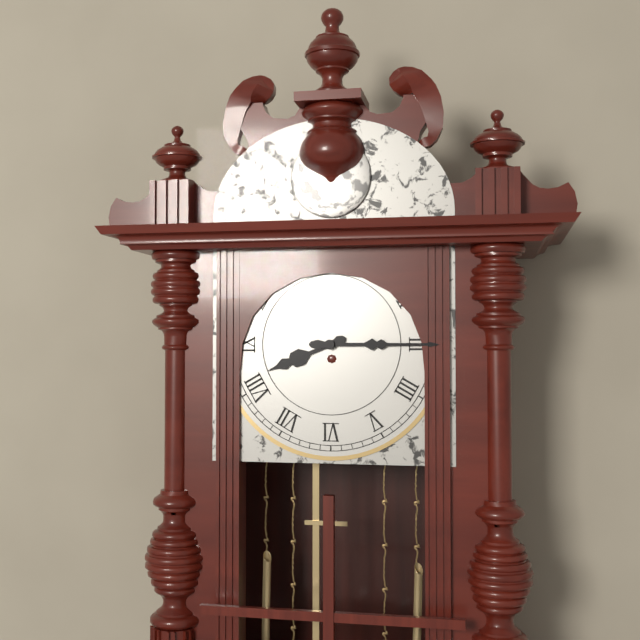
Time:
{"hour": 8, "minute": 15}
